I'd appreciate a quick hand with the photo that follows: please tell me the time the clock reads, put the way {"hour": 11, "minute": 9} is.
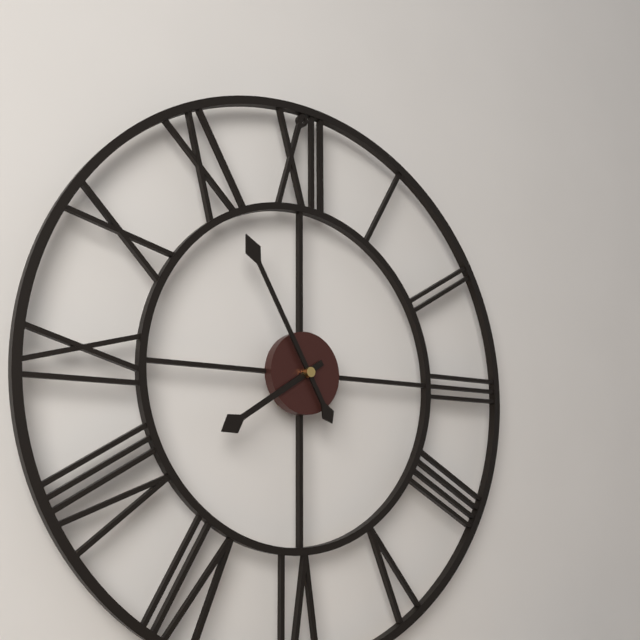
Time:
{"hour": 7, "minute": 55}
